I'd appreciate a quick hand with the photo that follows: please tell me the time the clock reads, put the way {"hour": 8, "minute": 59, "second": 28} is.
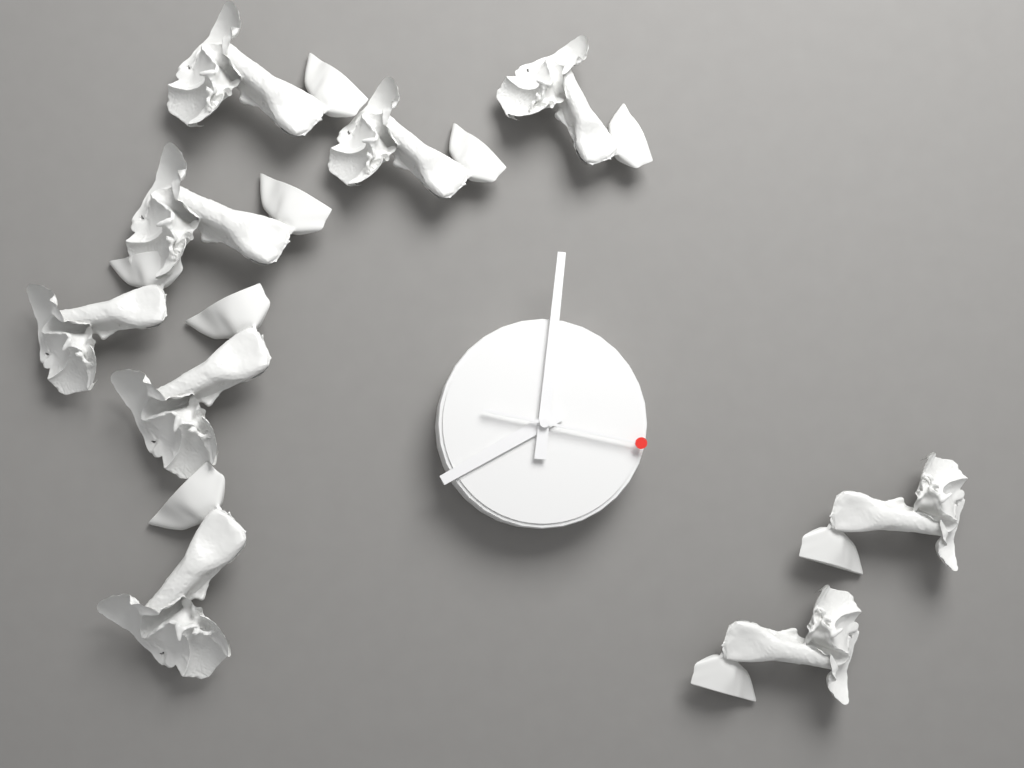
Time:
{"hour": 8, "minute": 1, "second": 17}
